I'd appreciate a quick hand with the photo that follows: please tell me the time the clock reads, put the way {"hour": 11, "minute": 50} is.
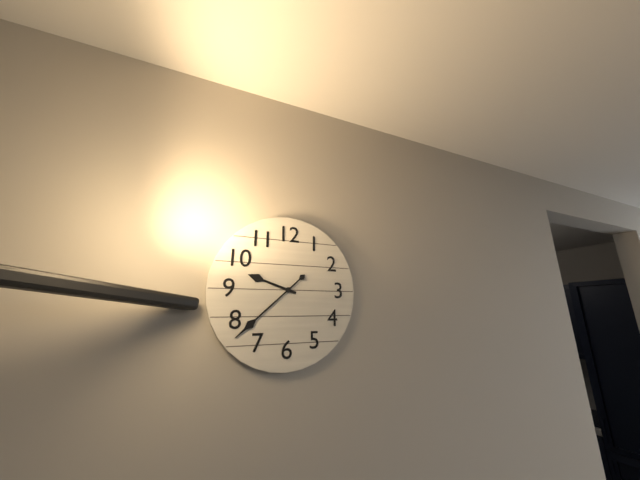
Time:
{"hour": 9, "minute": 38}
